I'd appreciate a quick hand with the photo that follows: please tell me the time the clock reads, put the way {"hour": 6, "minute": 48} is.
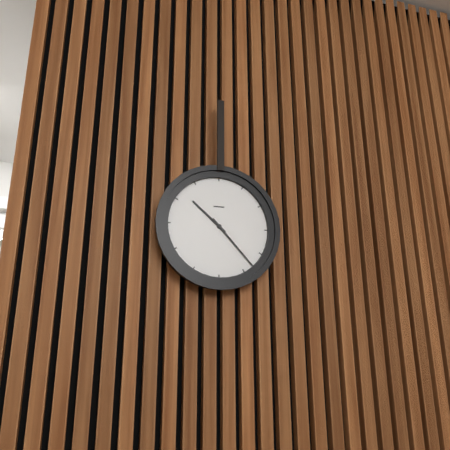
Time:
{"hour": 10, "minute": 23}
